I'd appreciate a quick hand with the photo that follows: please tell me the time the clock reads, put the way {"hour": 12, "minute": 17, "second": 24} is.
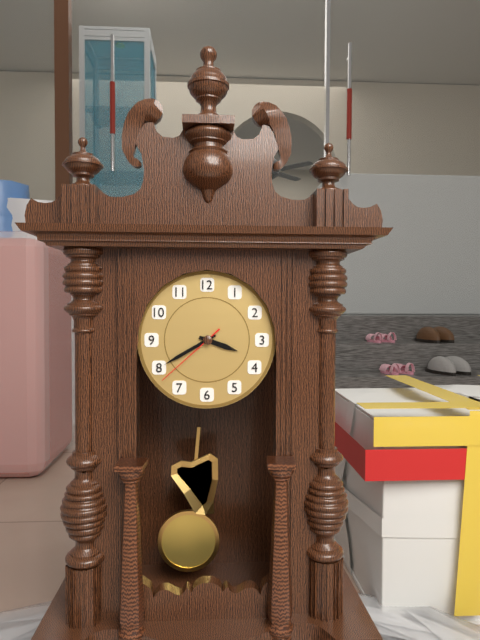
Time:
{"hour": 3, "minute": 40, "second": 38}
